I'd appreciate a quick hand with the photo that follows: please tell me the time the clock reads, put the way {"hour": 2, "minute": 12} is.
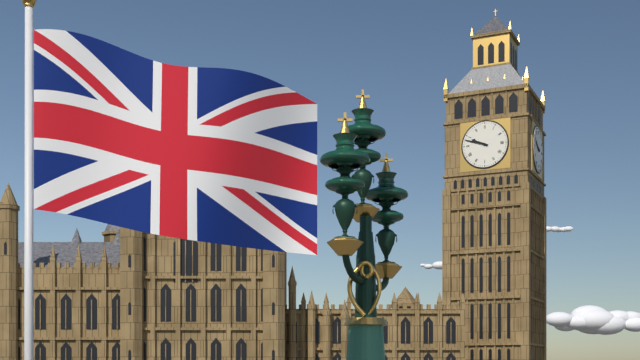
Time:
{"hour": 9, "minute": 48}
